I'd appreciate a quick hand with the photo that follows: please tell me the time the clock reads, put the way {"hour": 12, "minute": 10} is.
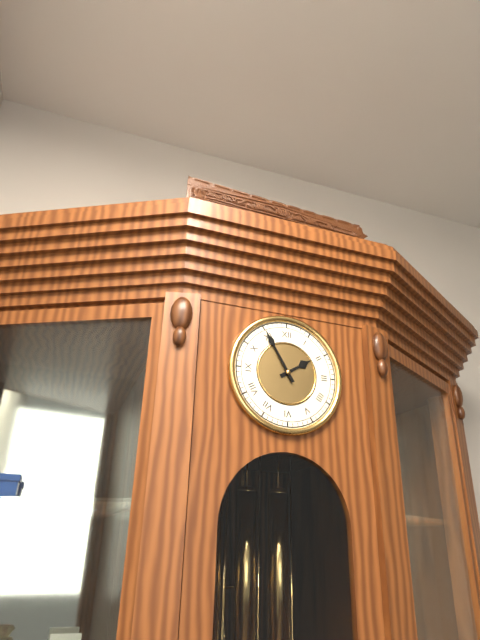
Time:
{"hour": 1, "minute": 55}
